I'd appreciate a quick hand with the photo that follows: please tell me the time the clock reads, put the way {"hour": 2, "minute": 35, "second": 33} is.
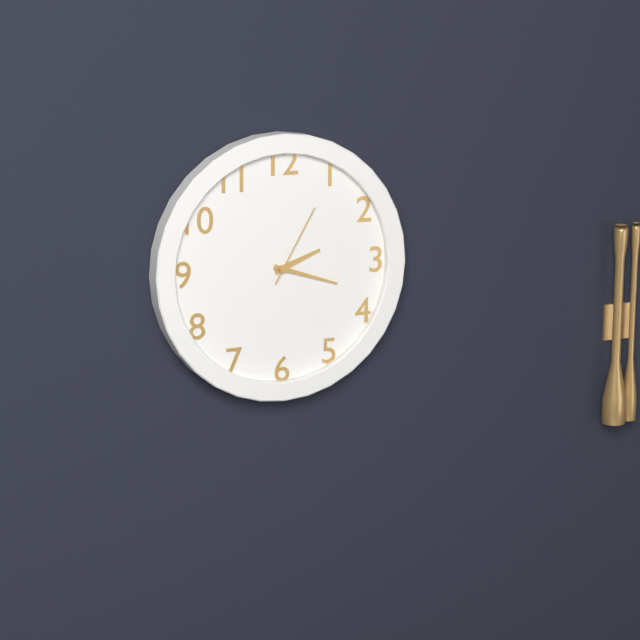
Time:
{"hour": 2, "minute": 18, "second": 5}
